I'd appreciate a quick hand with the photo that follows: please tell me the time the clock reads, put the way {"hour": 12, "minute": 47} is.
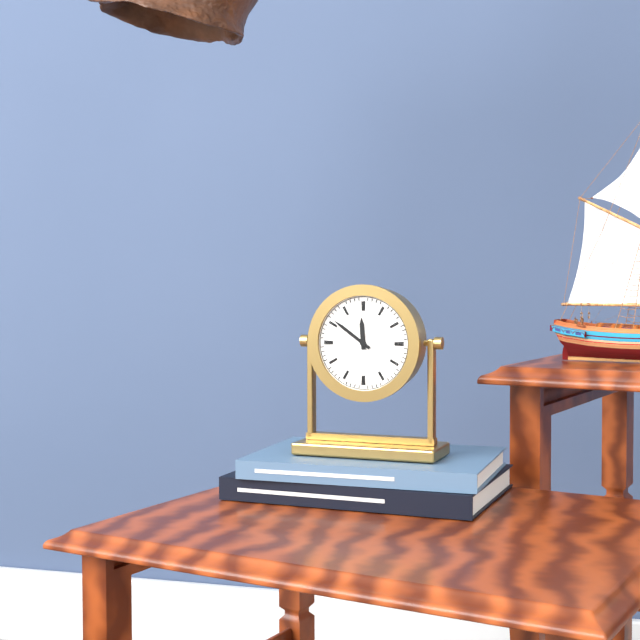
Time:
{"hour": 11, "minute": 51}
